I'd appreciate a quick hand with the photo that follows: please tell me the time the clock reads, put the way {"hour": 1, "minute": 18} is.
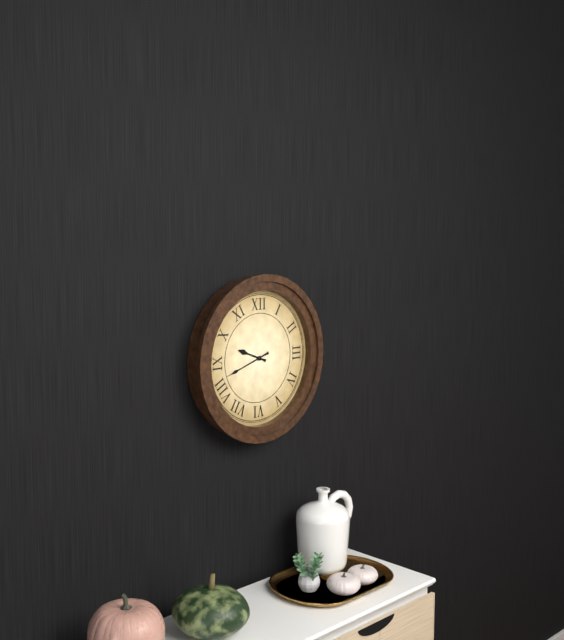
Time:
{"hour": 9, "minute": 42}
